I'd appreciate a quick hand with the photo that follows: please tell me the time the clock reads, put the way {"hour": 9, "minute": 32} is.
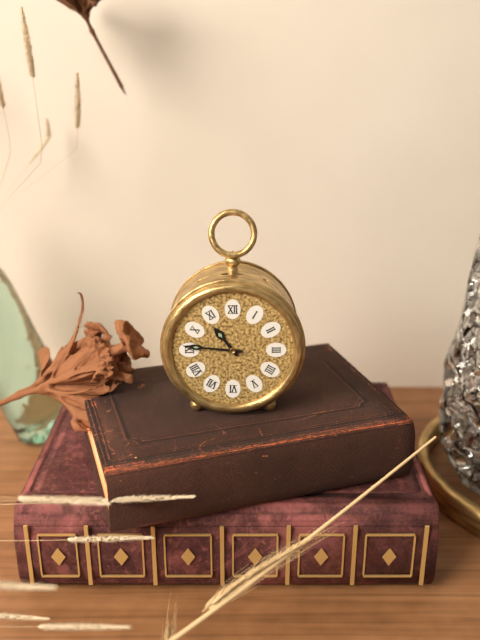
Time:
{"hour": 10, "minute": 46}
